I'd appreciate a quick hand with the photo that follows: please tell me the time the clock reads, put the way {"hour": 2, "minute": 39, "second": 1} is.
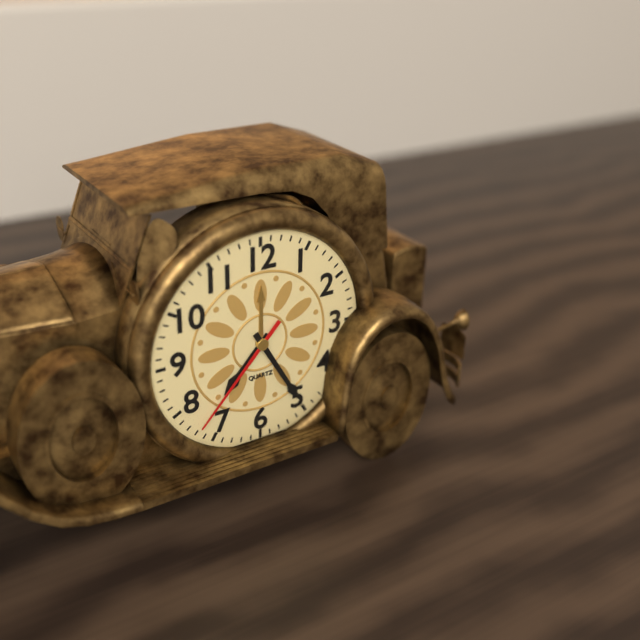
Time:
{"hour": 7, "minute": 25, "second": 37}
